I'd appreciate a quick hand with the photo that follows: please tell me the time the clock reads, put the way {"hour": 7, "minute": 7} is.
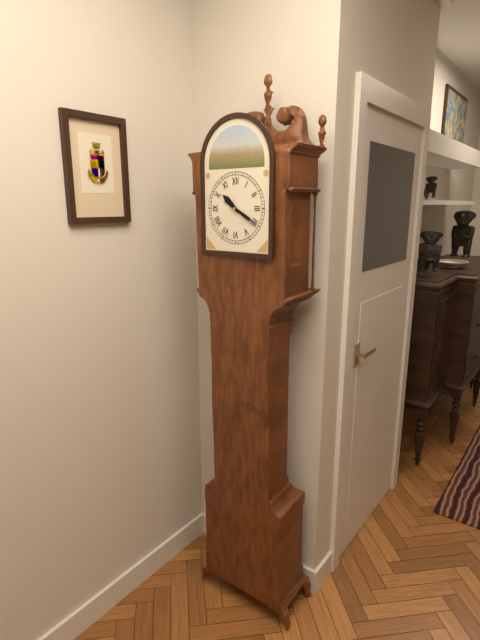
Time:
{"hour": 10, "minute": 20}
